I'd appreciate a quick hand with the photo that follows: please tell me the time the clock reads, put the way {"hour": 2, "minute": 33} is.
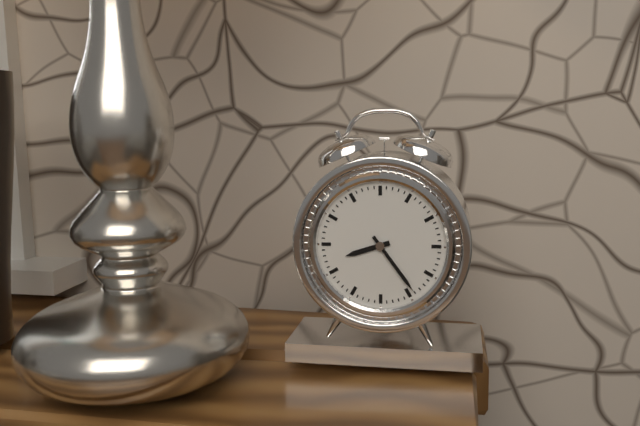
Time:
{"hour": 8, "minute": 24}
